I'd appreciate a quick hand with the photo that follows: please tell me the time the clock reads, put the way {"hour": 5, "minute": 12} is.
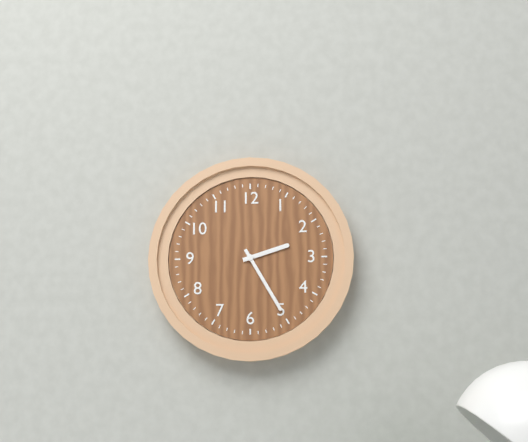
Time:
{"hour": 2, "minute": 25}
